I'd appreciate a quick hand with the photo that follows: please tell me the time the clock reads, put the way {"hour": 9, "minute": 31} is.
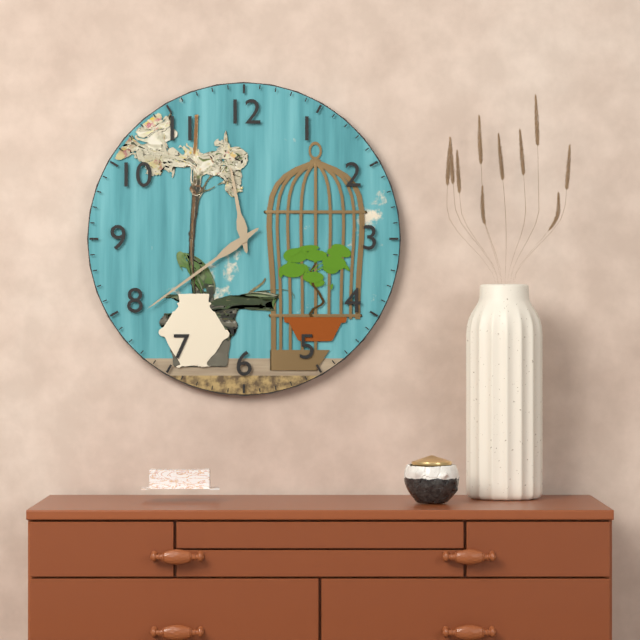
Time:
{"hour": 11, "minute": 39}
